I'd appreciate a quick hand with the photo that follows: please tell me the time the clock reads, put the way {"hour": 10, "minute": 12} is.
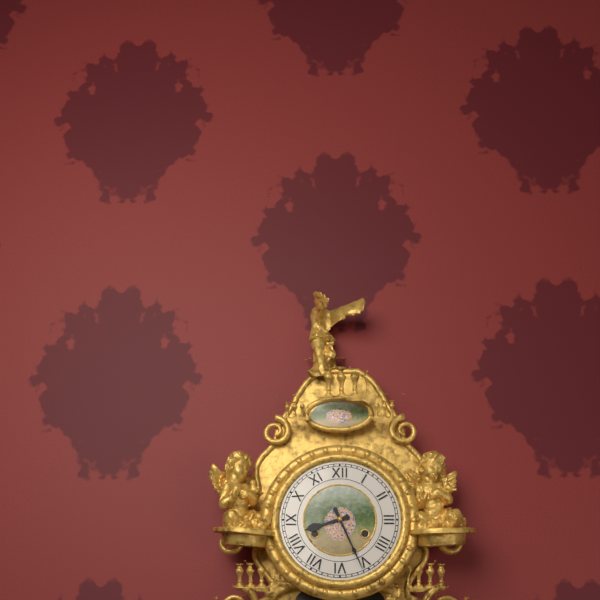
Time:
{"hour": 8, "minute": 26}
